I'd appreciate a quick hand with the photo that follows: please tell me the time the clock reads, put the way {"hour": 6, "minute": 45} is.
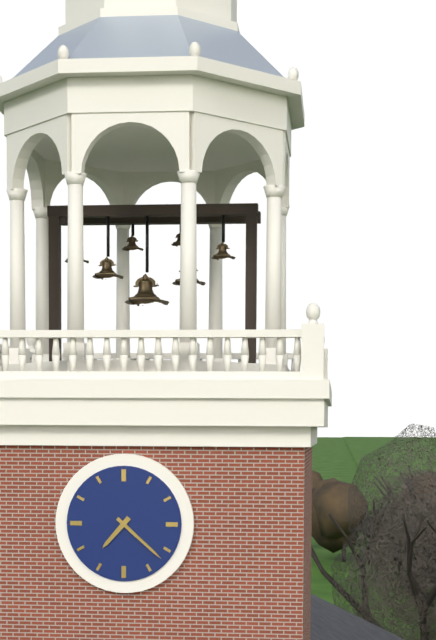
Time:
{"hour": 7, "minute": 22}
